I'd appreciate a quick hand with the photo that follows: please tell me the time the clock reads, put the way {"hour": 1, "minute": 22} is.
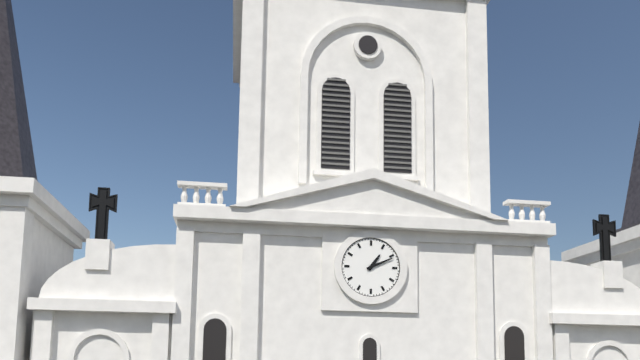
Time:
{"hour": 1, "minute": 11}
